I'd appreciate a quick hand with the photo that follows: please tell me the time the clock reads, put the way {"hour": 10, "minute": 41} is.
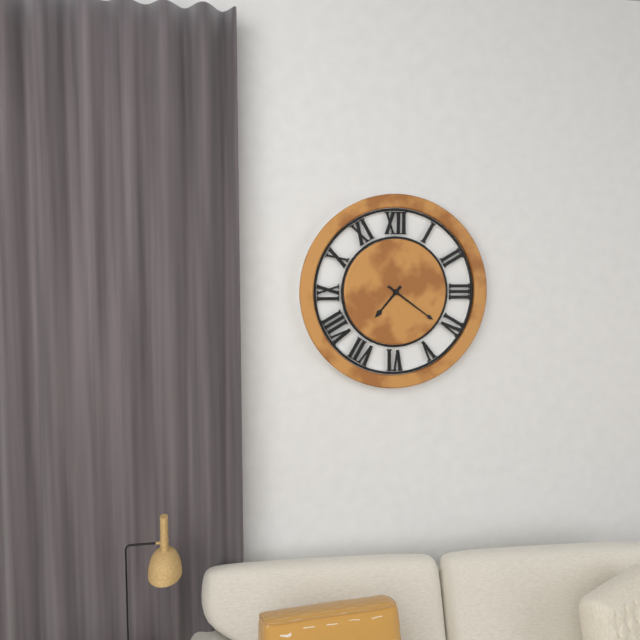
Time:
{"hour": 7, "minute": 21}
